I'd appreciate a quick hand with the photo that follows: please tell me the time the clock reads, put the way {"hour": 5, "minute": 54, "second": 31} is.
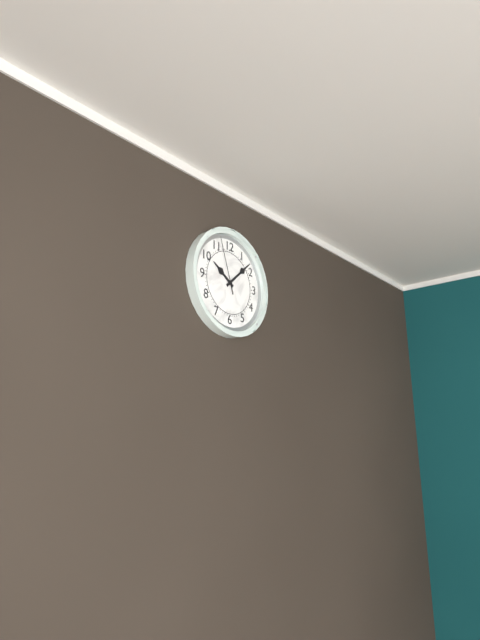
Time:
{"hour": 10, "minute": 8, "second": 57}
